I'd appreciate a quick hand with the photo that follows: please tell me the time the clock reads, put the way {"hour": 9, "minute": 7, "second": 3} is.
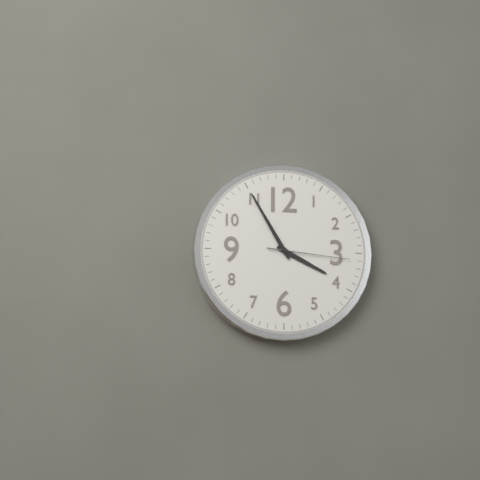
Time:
{"hour": 3, "minute": 55, "second": 16}
